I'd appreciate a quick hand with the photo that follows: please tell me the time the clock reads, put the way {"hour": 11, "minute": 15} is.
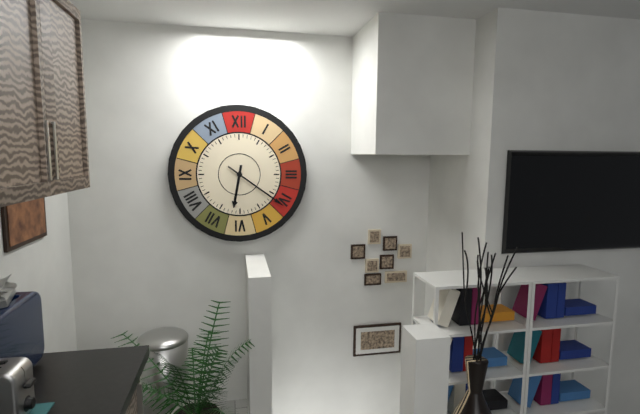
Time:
{"hour": 6, "minute": 21}
